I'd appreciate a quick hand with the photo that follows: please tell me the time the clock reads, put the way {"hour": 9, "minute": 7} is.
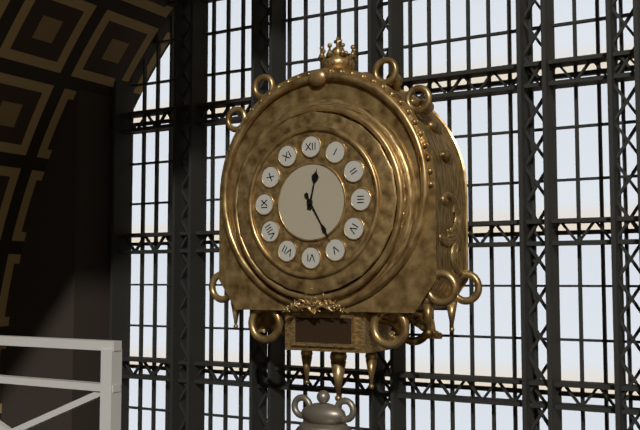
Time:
{"hour": 12, "minute": 25}
